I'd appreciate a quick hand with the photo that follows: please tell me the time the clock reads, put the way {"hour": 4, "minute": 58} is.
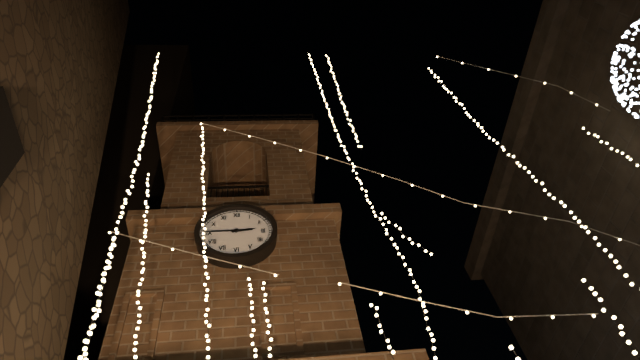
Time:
{"hour": 2, "minute": 45}
